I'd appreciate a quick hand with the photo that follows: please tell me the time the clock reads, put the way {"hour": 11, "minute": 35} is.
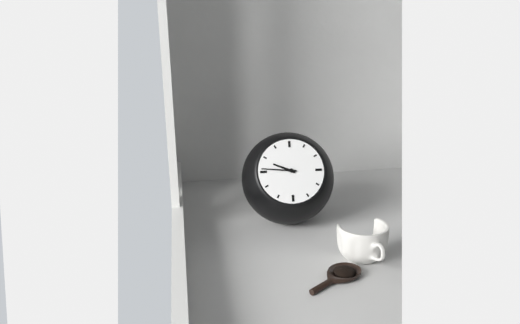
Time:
{"hour": 9, "minute": 46}
